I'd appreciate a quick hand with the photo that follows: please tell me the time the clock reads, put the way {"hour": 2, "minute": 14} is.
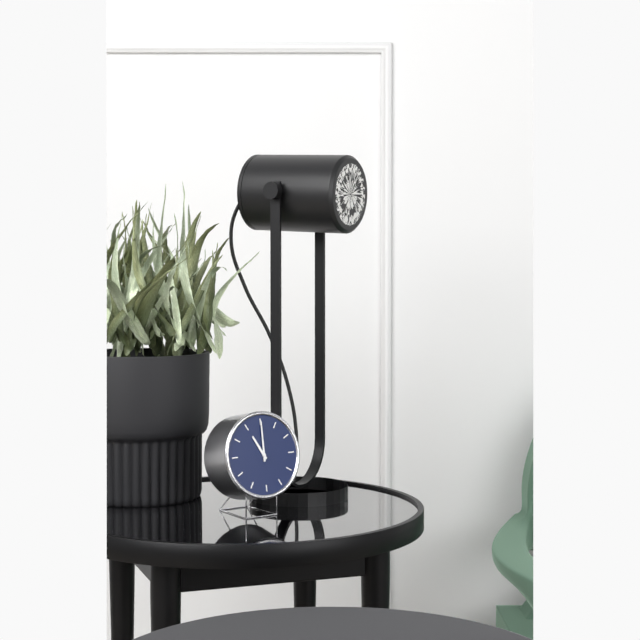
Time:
{"hour": 11, "minute": 0}
